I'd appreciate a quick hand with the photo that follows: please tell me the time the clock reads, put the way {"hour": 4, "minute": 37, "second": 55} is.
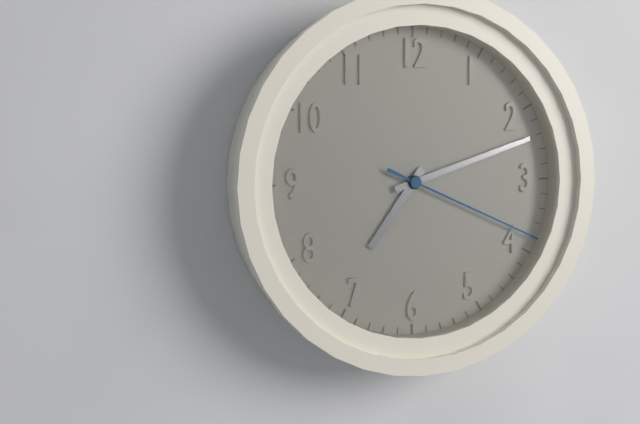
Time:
{"hour": 7, "minute": 12, "second": 19}
